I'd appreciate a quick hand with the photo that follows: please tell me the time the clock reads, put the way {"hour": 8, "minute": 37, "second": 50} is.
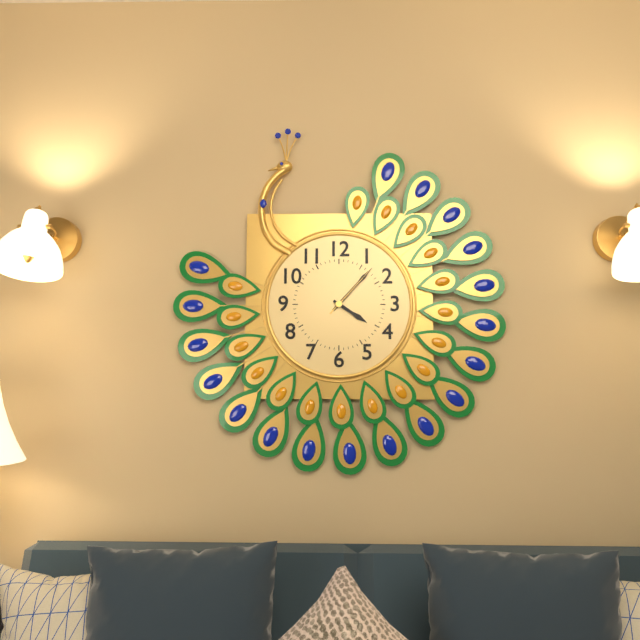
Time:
{"hour": 4, "minute": 7, "second": 7}
